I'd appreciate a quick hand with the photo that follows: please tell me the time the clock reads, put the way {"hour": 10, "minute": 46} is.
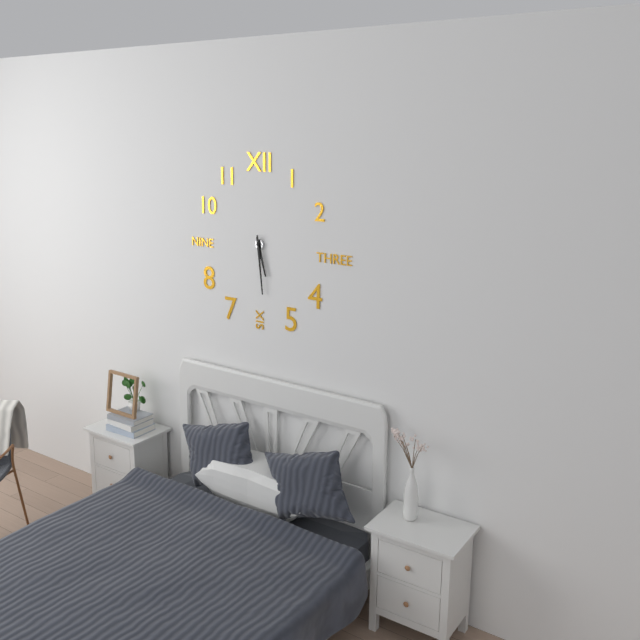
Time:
{"hour": 5, "minute": 29}
